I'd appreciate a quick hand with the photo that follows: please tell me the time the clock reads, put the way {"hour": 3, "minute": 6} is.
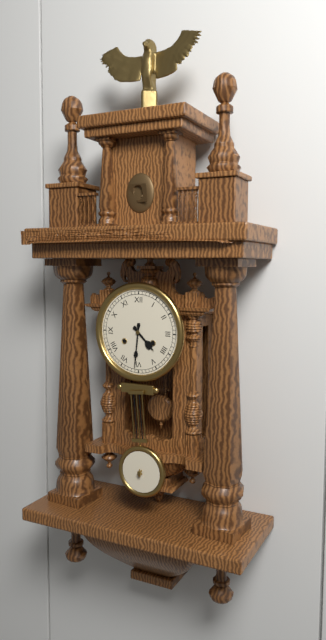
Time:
{"hour": 4, "minute": 31}
